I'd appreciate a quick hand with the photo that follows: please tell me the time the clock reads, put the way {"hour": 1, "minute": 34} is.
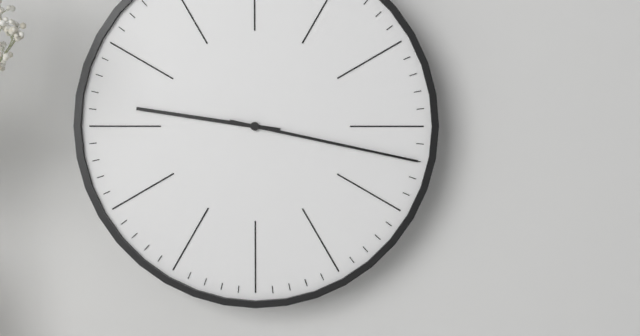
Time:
{"hour": 9, "minute": 17}
